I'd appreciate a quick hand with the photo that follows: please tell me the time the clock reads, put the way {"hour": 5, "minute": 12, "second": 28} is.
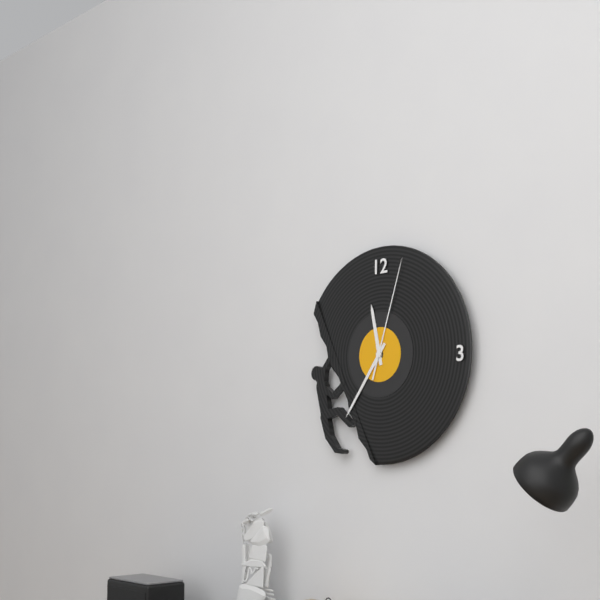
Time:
{"hour": 11, "minute": 36, "second": 3}
